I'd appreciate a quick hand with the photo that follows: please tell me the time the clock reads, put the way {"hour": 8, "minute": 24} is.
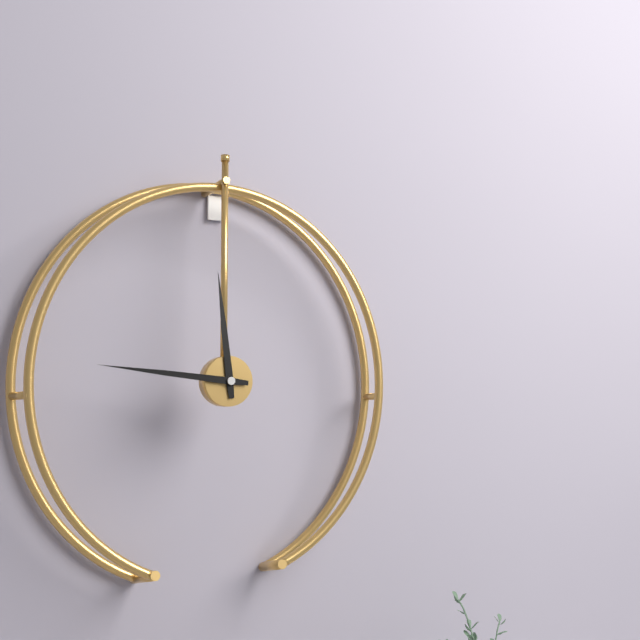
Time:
{"hour": 11, "minute": 46}
